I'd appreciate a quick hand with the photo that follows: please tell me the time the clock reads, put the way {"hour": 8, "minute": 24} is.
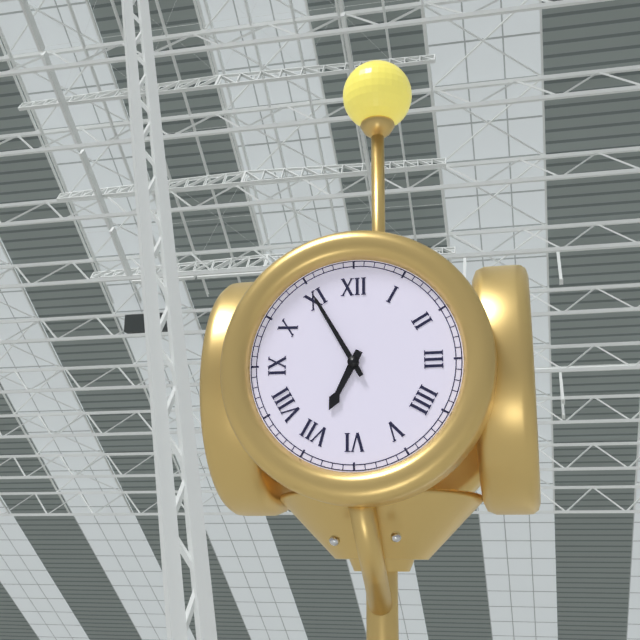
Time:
{"hour": 6, "minute": 55}
